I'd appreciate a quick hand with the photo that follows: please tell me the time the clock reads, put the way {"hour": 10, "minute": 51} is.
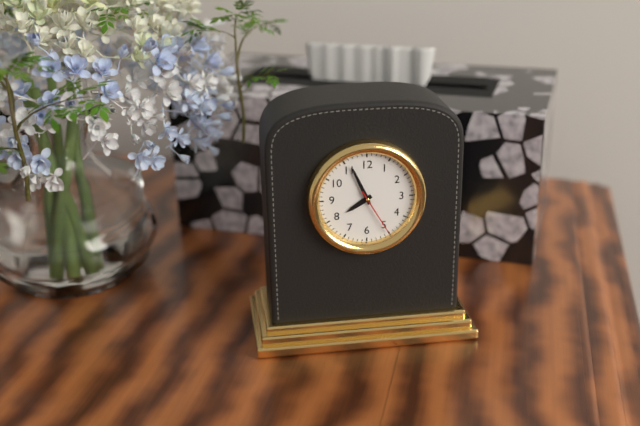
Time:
{"hour": 7, "minute": 56}
